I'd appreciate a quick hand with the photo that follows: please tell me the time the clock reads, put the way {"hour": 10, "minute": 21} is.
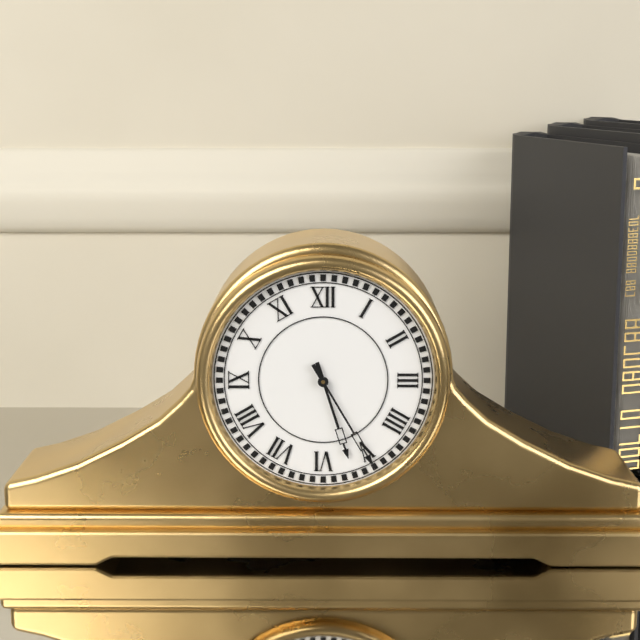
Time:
{"hour": 5, "minute": 25}
